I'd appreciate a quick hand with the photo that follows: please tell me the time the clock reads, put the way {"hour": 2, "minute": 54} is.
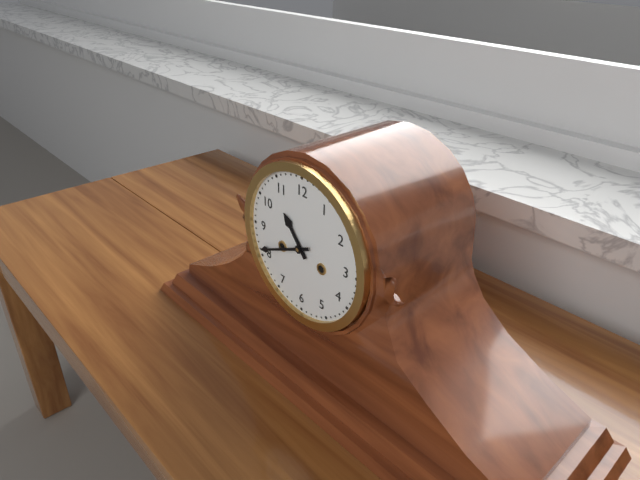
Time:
{"hour": 10, "minute": 41}
